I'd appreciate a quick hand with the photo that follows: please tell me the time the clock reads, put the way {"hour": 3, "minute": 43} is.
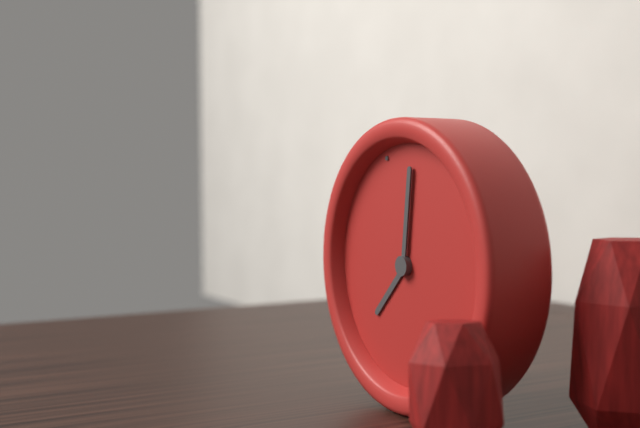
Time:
{"hour": 8, "minute": 4}
